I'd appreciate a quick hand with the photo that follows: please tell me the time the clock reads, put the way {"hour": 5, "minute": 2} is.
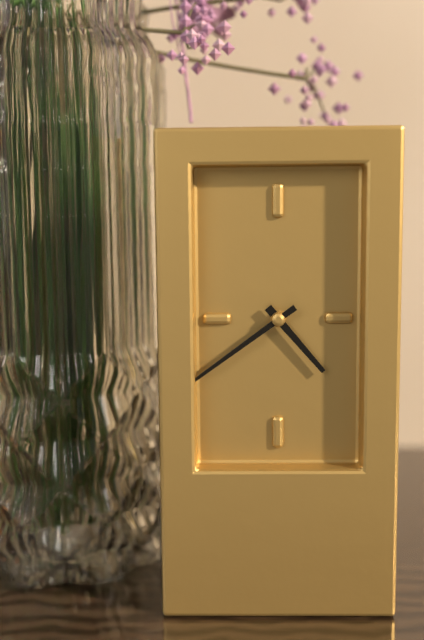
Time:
{"hour": 4, "minute": 39}
